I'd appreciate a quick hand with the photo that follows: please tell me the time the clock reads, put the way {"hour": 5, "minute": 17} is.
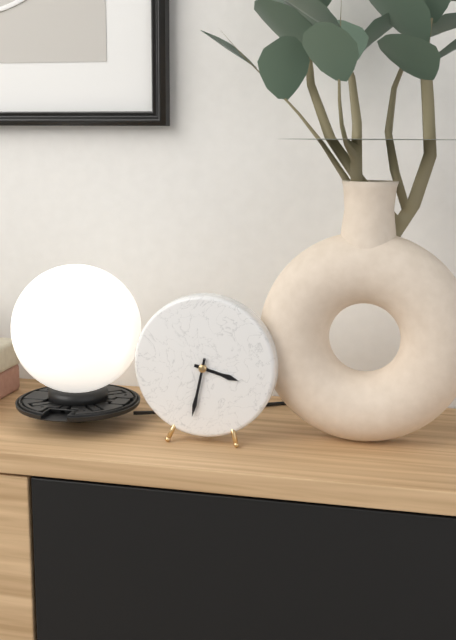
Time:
{"hour": 3, "minute": 32}
